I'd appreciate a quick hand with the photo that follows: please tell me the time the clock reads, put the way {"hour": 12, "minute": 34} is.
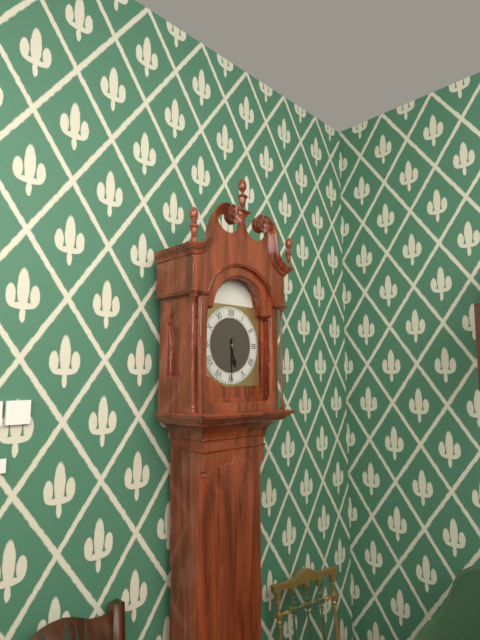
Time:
{"hour": 5, "minute": 30}
